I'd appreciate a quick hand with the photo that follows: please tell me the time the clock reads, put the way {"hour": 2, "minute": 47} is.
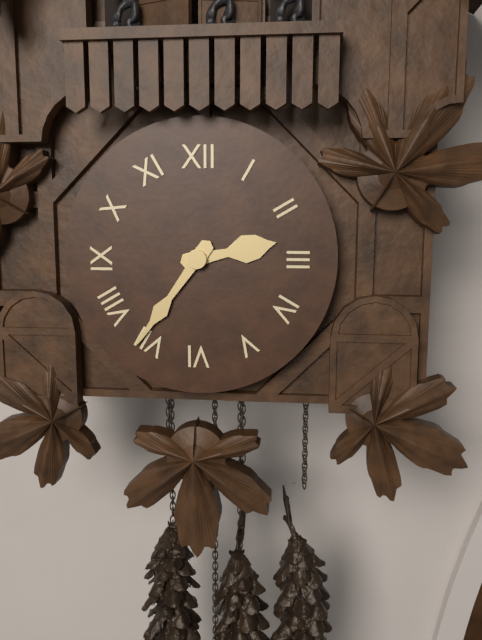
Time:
{"hour": 2, "minute": 36}
